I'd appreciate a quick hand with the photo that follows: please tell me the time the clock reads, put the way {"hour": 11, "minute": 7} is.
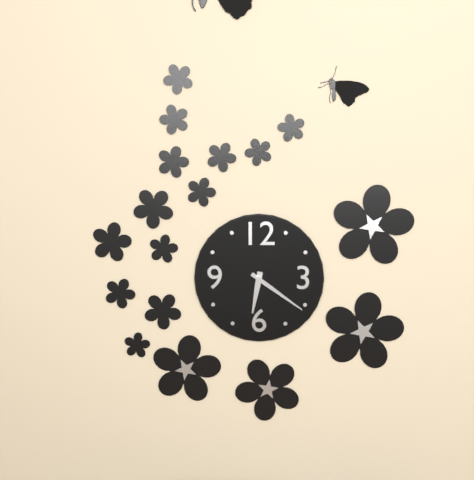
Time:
{"hour": 6, "minute": 21}
